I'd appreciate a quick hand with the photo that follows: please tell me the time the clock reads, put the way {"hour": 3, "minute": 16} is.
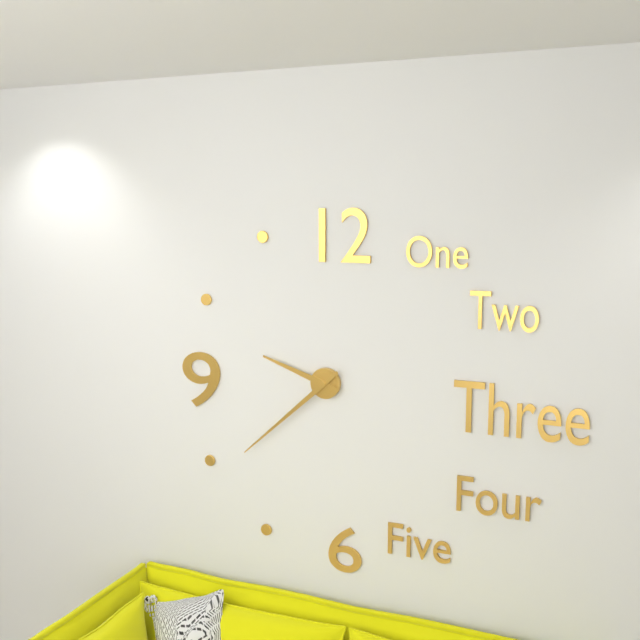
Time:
{"hour": 9, "minute": 38}
